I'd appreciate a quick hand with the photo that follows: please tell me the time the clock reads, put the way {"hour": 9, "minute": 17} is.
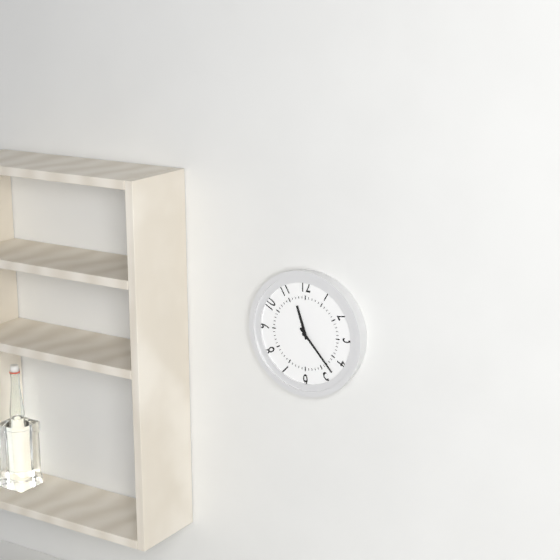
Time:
{"hour": 11, "minute": 23}
